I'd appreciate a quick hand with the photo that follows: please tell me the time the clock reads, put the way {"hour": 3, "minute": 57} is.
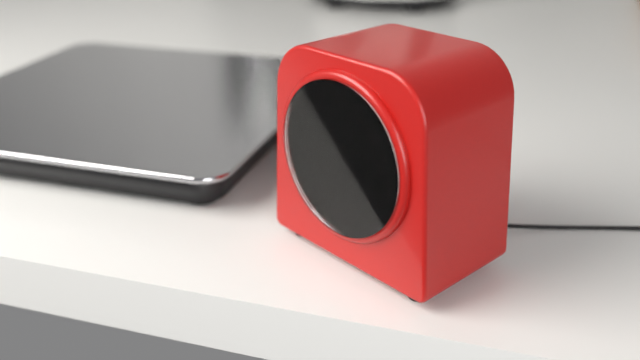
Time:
{"hour": 6, "minute": 16}
